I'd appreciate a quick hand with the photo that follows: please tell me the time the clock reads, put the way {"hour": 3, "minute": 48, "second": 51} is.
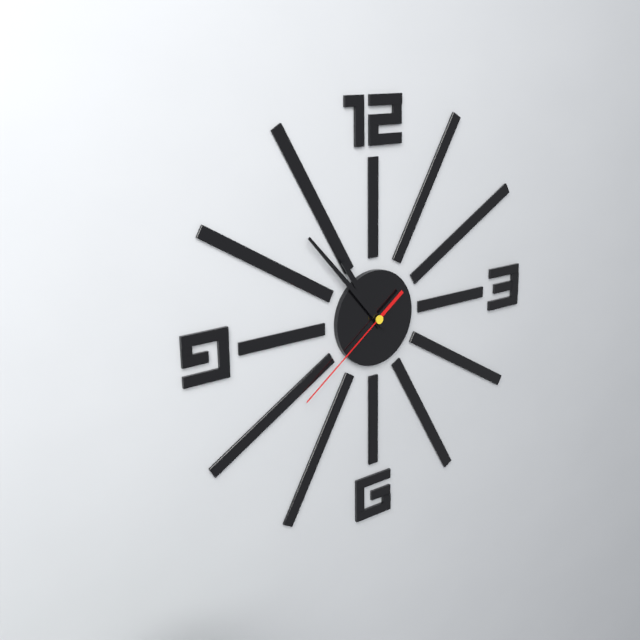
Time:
{"hour": 10, "minute": 53, "second": 39}
